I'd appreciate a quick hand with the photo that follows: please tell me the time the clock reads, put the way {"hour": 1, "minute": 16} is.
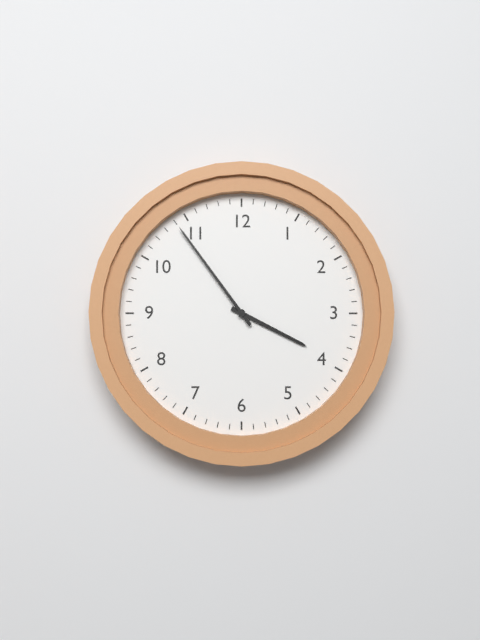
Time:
{"hour": 3, "minute": 54}
